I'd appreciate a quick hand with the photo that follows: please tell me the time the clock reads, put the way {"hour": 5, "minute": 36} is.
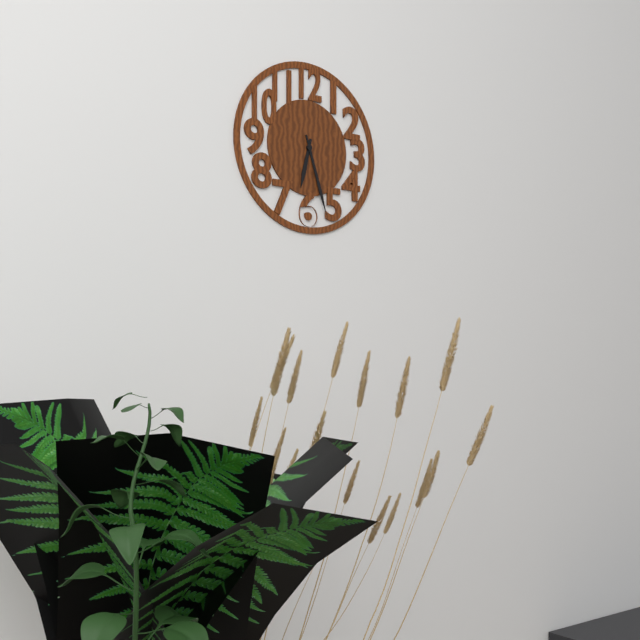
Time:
{"hour": 6, "minute": 27}
